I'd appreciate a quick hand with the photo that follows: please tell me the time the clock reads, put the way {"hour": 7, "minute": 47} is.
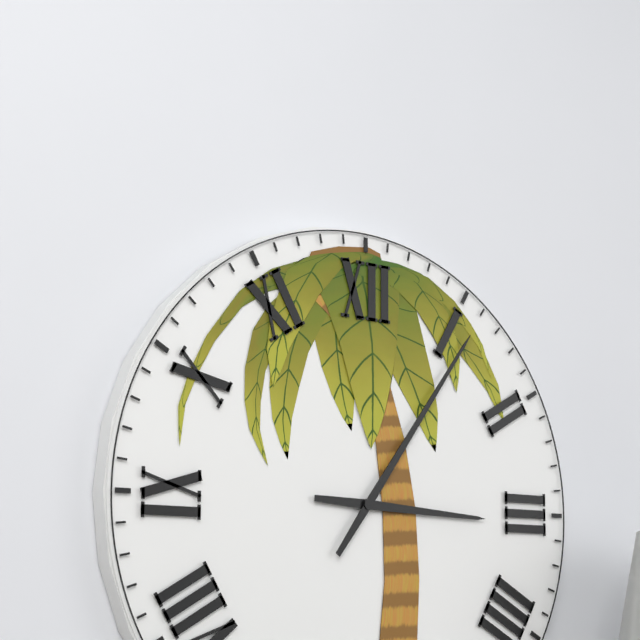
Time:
{"hour": 3, "minute": 6}
